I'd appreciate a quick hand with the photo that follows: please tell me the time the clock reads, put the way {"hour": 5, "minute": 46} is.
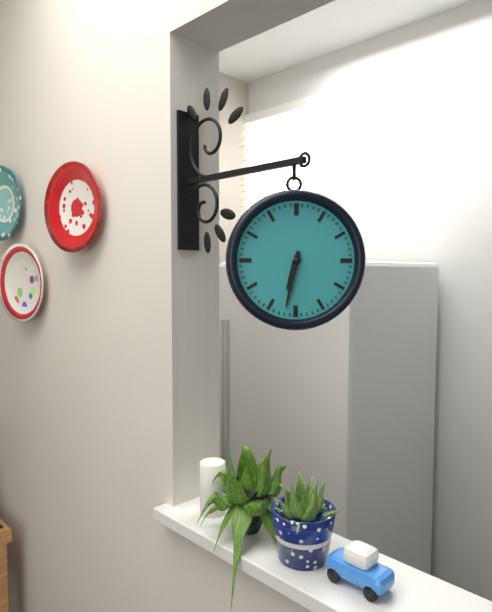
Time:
{"hour": 6, "minute": 32}
